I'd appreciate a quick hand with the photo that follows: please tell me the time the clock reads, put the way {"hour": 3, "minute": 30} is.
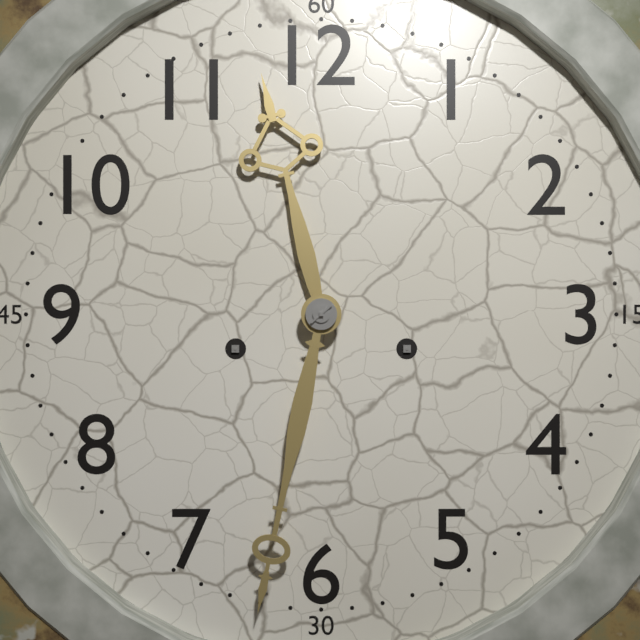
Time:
{"hour": 11, "minute": 32}
